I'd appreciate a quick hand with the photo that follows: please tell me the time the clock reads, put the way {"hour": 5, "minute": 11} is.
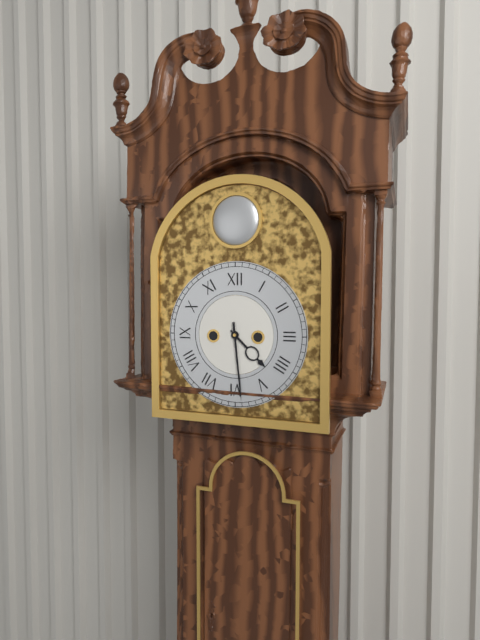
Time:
{"hour": 4, "minute": 29}
